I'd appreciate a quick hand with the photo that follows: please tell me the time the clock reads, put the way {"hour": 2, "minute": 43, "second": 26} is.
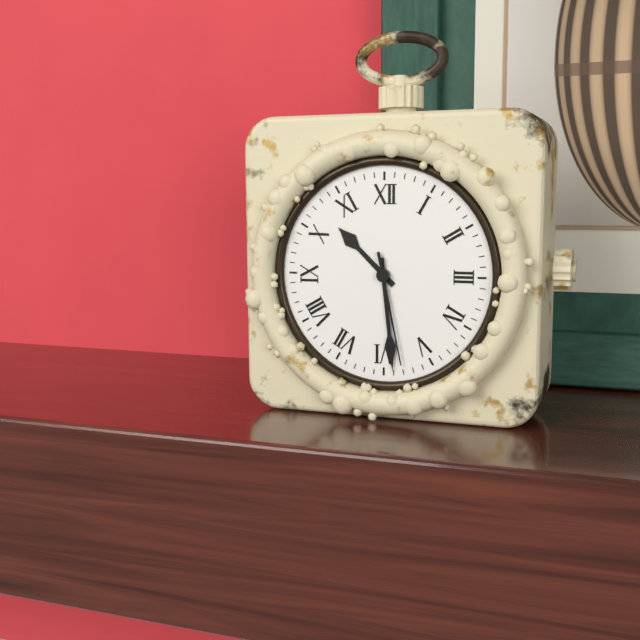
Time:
{"hour": 10, "minute": 29, "second": 28}
